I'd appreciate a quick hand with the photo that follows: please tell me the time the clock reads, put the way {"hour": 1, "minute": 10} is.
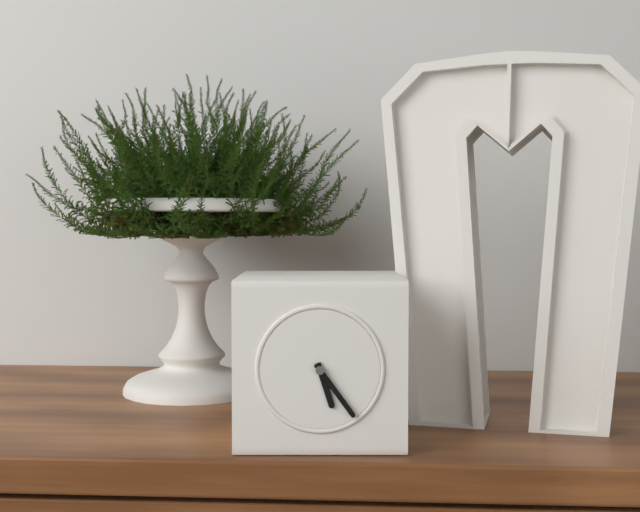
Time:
{"hour": 5, "minute": 24}
